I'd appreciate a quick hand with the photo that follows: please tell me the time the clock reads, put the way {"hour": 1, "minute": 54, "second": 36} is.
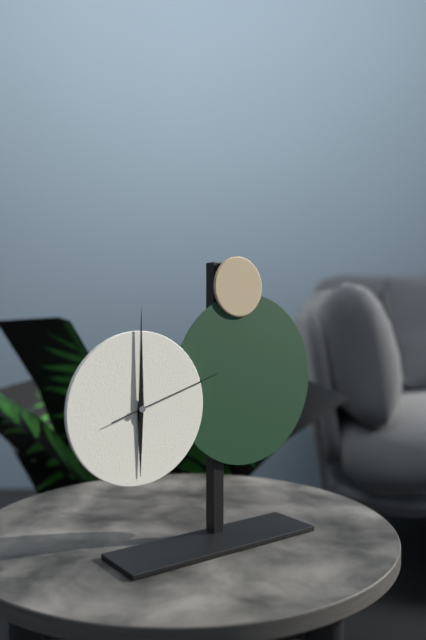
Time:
{"hour": 6, "minute": 0, "second": 12}
